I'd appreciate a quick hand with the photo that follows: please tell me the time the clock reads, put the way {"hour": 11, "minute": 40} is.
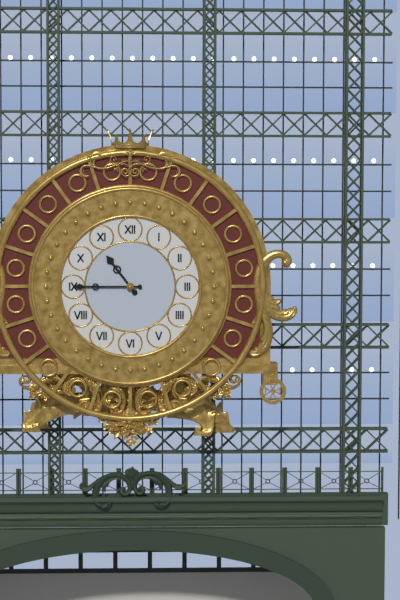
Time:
{"hour": 10, "minute": 45}
